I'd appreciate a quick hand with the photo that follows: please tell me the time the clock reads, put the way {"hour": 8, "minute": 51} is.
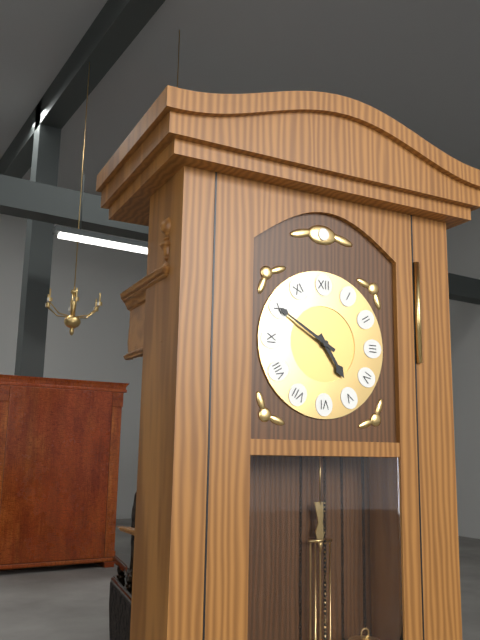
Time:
{"hour": 4, "minute": 50}
